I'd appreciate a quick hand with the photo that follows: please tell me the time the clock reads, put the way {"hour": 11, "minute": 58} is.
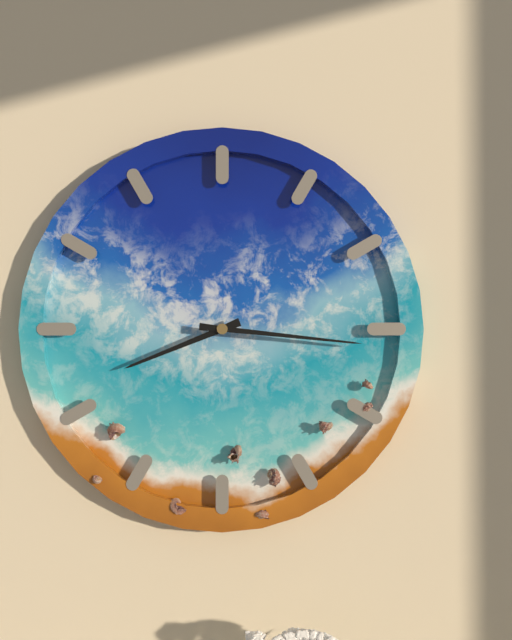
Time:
{"hour": 8, "minute": 16}
